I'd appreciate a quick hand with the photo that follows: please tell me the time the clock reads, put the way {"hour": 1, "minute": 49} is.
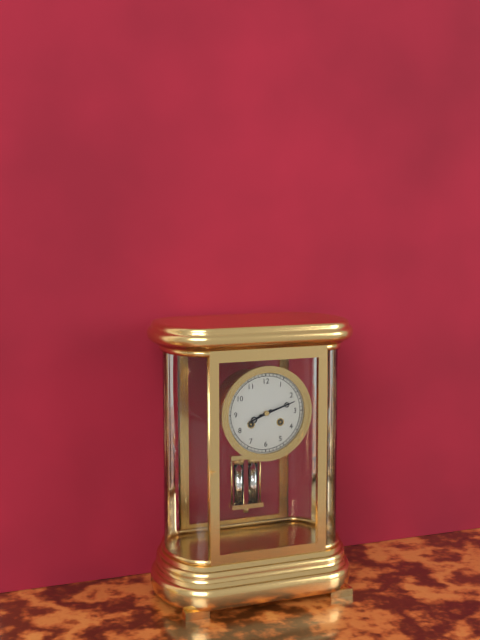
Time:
{"hour": 8, "minute": 12}
